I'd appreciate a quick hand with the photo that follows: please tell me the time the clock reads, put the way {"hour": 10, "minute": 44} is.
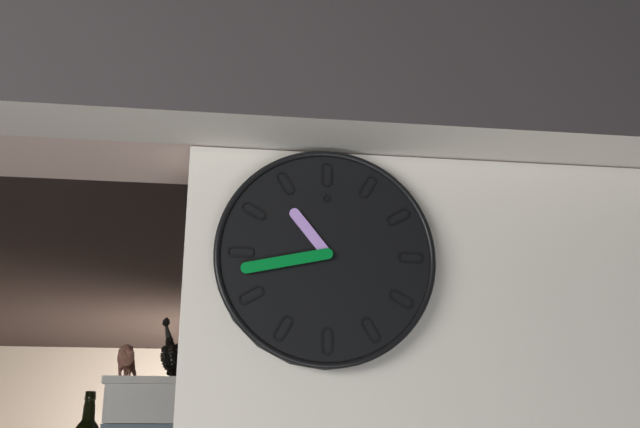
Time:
{"hour": 10, "minute": 43}
